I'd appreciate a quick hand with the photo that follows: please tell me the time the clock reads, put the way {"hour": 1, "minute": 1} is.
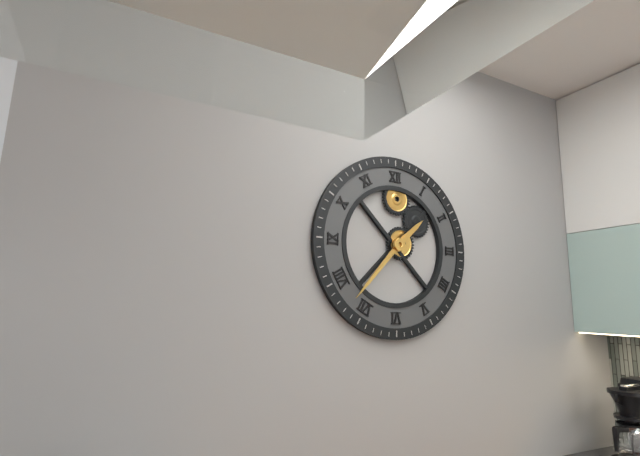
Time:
{"hour": 1, "minute": 37}
